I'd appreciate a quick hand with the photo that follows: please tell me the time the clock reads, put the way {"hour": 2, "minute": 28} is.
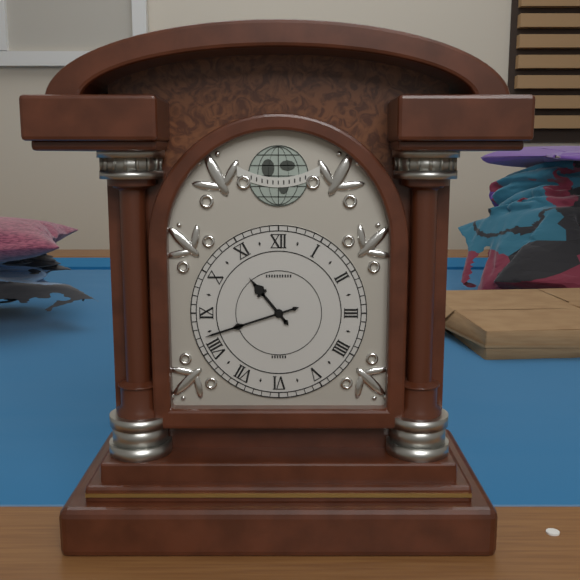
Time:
{"hour": 10, "minute": 42}
